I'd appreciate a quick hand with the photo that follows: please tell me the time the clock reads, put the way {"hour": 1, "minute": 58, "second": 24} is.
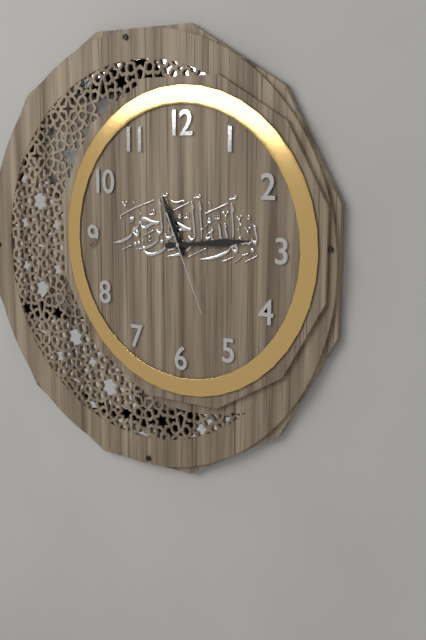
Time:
{"hour": 11, "minute": 14, "second": 26}
